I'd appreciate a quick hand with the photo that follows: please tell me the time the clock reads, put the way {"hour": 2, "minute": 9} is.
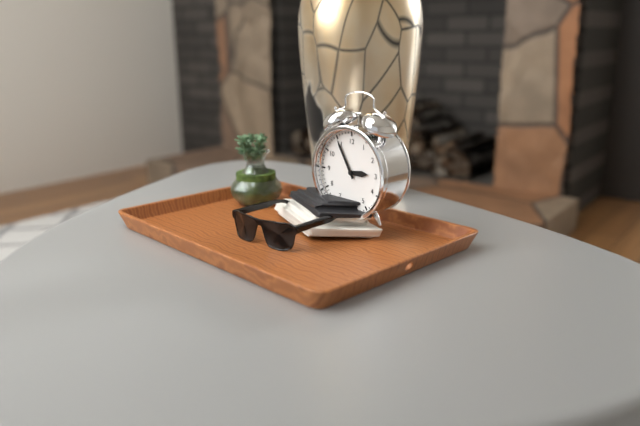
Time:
{"hour": 2, "minute": 55}
